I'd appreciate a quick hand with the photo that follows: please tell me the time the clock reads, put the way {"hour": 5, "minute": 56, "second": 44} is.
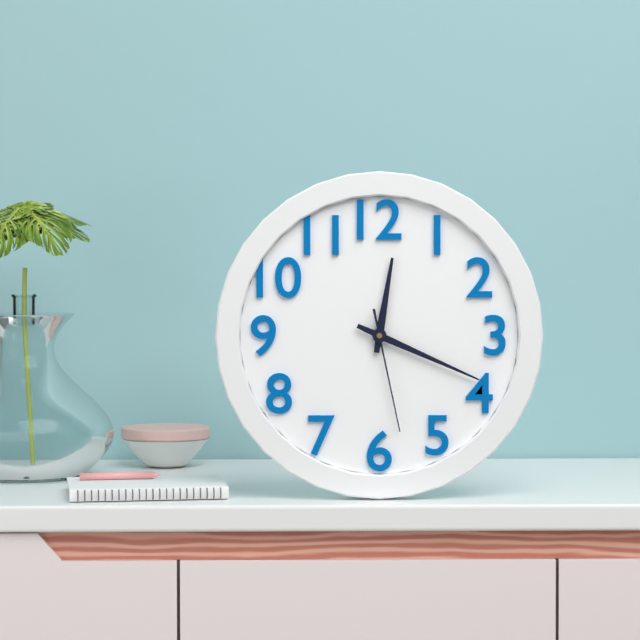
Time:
{"hour": 12, "minute": 19, "second": 28}
